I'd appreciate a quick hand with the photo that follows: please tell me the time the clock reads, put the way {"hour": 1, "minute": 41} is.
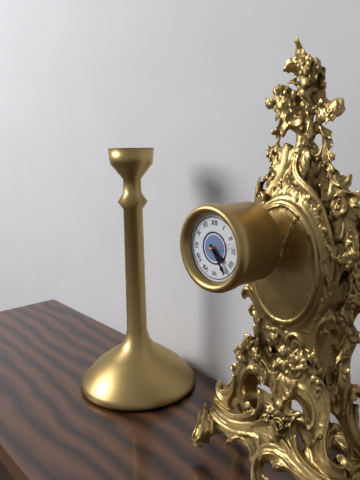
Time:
{"hour": 4, "minute": 24}
